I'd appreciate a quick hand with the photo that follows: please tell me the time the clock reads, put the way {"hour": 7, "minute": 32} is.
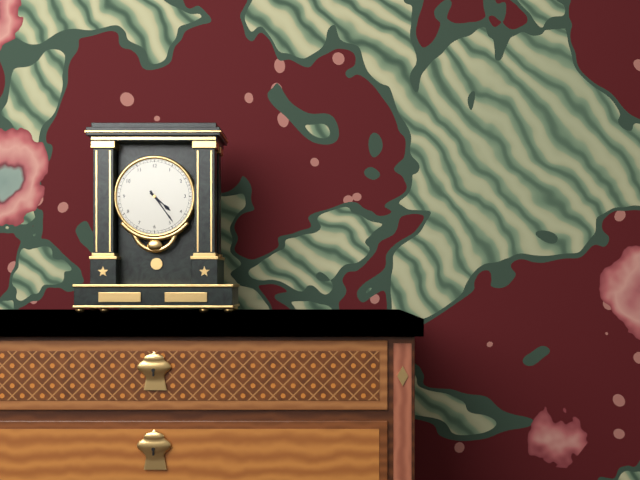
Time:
{"hour": 4, "minute": 24}
